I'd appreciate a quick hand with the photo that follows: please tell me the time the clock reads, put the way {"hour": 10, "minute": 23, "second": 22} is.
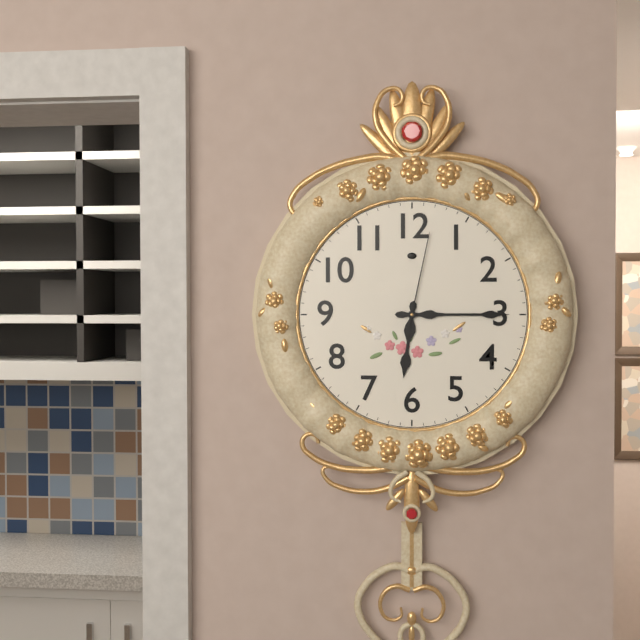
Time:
{"hour": 6, "minute": 15, "second": 2}
